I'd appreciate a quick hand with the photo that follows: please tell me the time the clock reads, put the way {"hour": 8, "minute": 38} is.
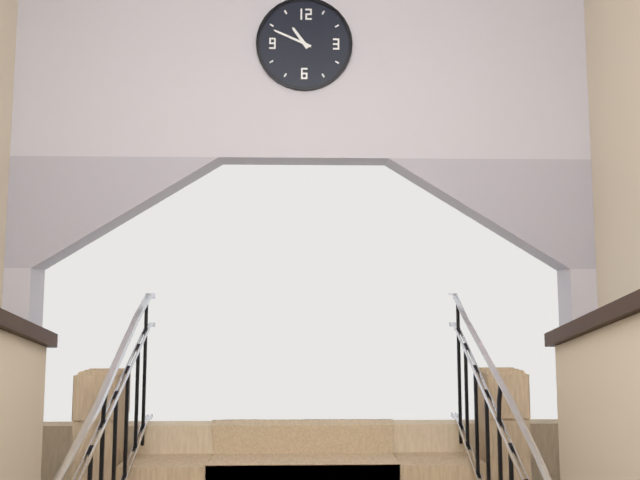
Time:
{"hour": 10, "minute": 49}
